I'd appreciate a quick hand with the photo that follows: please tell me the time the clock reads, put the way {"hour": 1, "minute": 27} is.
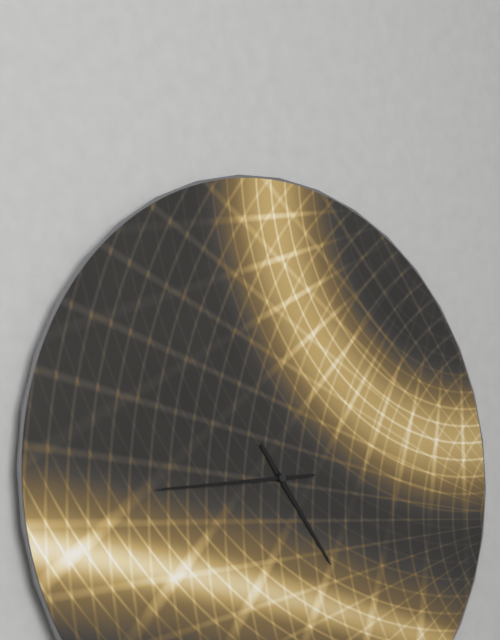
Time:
{"hour": 4, "minute": 44}
